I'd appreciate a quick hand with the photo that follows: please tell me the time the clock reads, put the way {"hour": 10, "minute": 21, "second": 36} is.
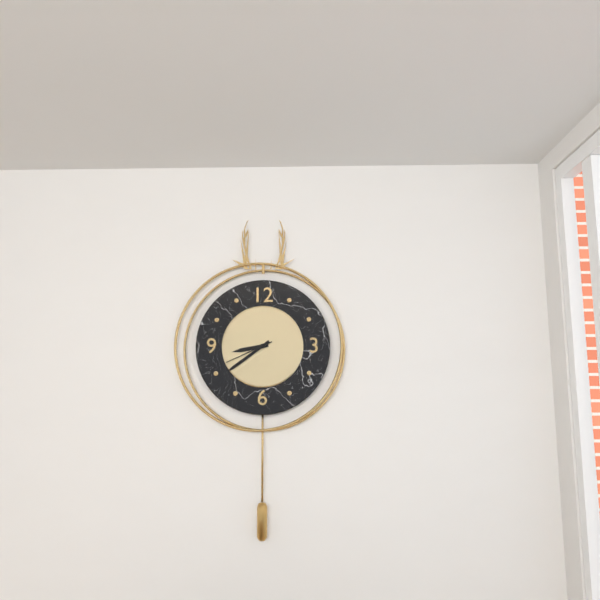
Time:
{"hour": 8, "minute": 39, "second": 41}
